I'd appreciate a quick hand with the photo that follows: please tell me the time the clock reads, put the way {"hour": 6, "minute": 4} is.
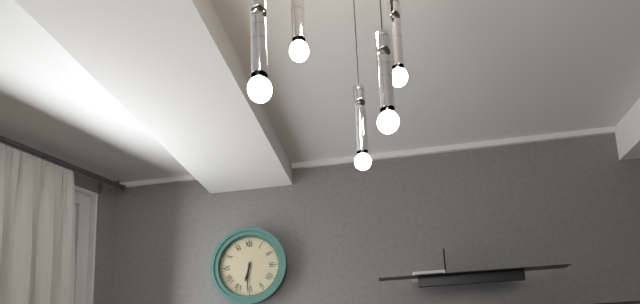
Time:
{"hour": 6, "minute": 31}
